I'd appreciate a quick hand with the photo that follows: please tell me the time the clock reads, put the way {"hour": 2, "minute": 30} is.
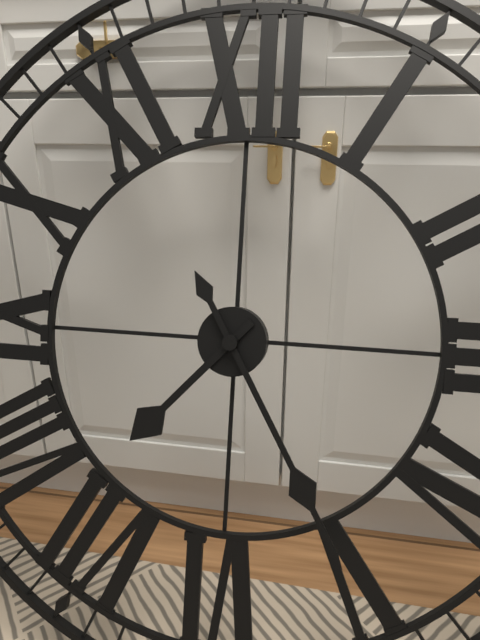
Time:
{"hour": 7, "minute": 25}
